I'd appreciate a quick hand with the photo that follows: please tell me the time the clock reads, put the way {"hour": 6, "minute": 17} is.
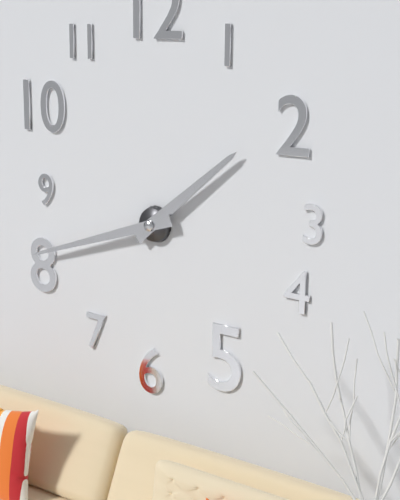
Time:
{"hour": 1, "minute": 42}
